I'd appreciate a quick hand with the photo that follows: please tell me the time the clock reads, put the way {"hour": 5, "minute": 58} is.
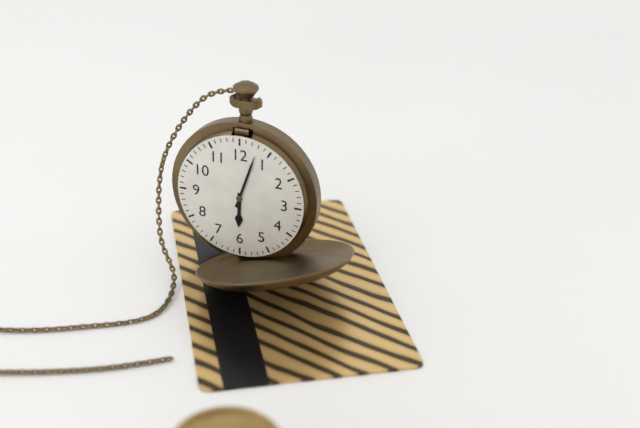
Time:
{"hour": 6, "minute": 3}
